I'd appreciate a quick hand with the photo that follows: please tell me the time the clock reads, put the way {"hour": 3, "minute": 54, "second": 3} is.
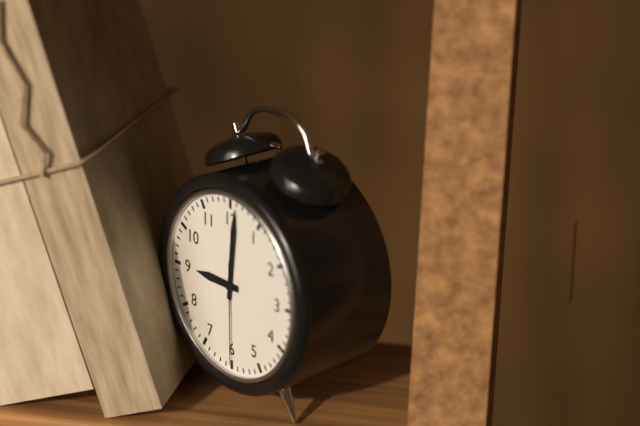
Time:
{"hour": 9, "minute": 1, "second": 30}
